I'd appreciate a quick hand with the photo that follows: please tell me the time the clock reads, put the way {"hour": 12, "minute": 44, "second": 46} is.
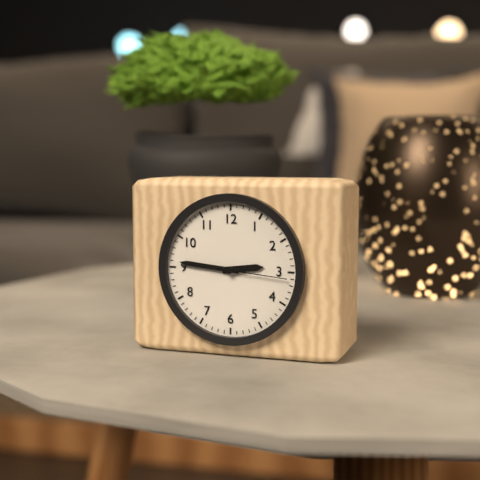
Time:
{"hour": 2, "minute": 46, "second": 16}
